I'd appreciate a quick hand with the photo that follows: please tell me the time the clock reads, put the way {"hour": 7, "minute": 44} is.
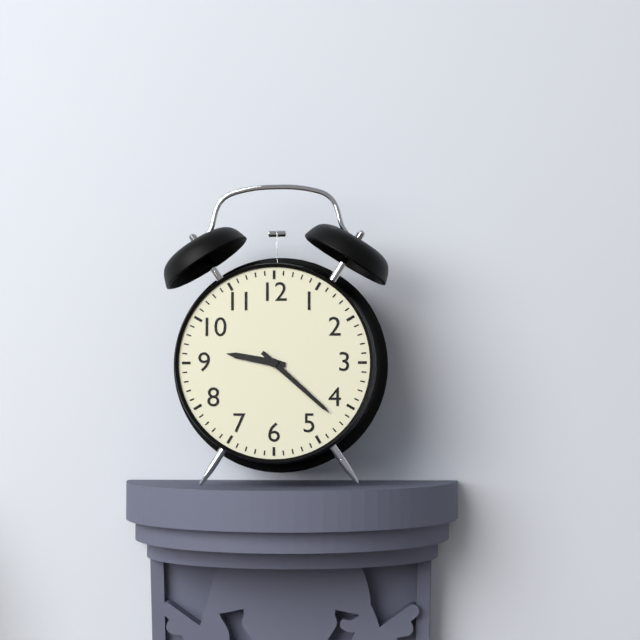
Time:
{"hour": 9, "minute": 22}
